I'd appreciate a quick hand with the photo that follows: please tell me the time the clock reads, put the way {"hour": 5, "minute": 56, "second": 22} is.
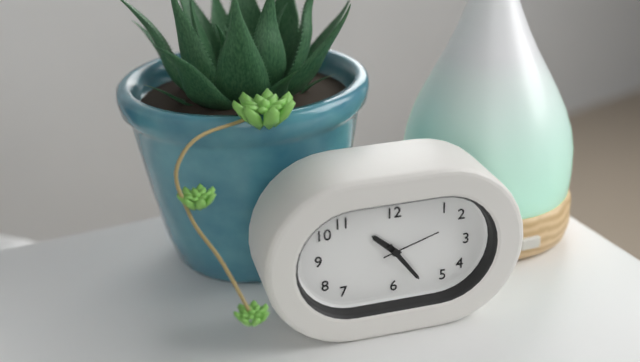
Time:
{"hour": 10, "minute": 24, "second": 12}
